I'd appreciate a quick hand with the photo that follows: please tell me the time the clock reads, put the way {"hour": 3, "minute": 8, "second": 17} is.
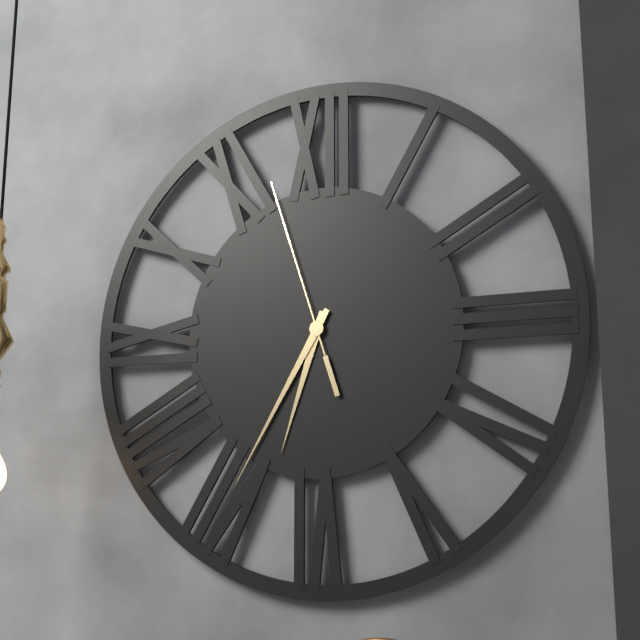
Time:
{"hour": 6, "minute": 35, "second": 57}
